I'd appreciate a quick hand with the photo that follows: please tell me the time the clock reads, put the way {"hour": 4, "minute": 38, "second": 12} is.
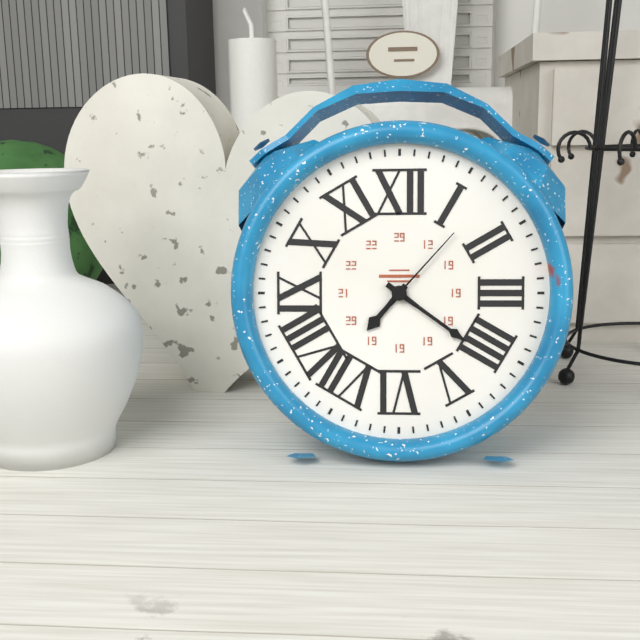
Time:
{"hour": 7, "minute": 21, "second": 7}
